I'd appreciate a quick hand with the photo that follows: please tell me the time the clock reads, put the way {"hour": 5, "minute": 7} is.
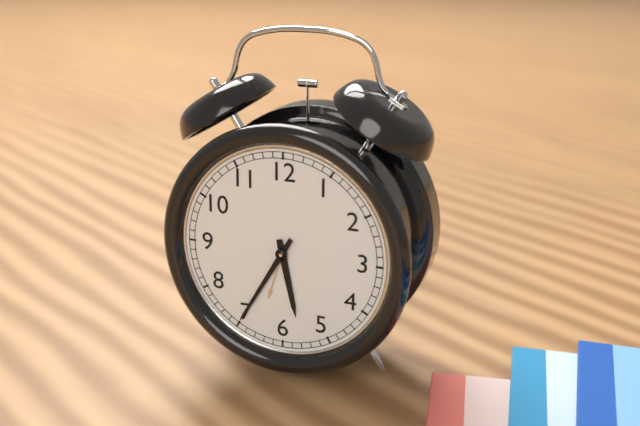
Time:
{"hour": 5, "minute": 35}
